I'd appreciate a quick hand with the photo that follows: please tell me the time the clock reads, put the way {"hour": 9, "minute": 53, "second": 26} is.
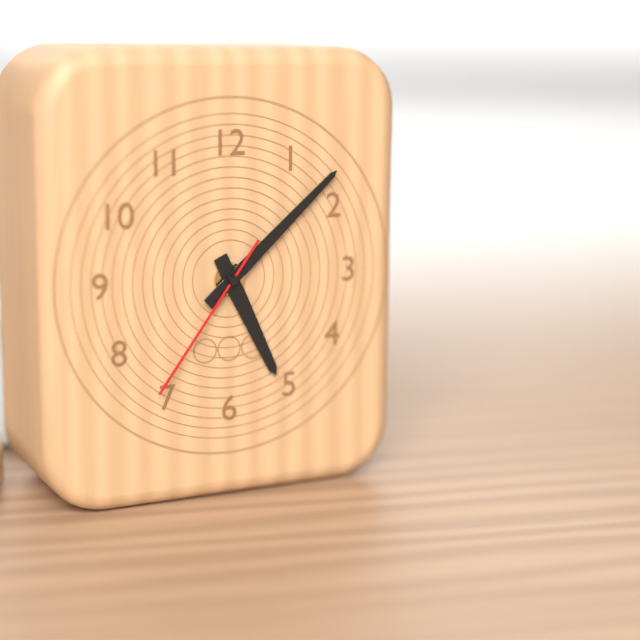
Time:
{"hour": 5, "minute": 8, "second": 36}
